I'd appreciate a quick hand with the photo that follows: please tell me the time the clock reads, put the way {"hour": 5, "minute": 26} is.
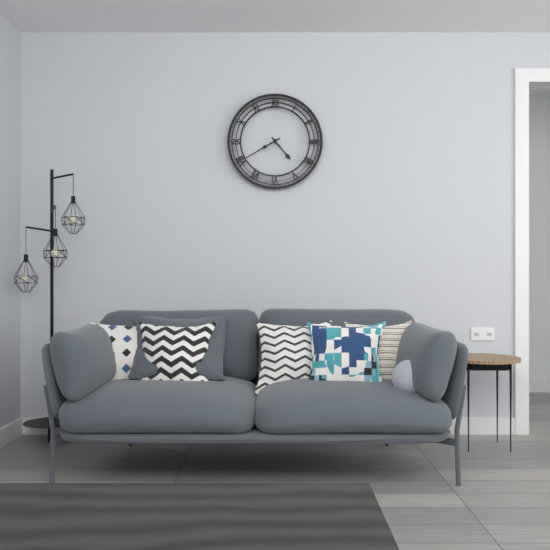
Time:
{"hour": 4, "minute": 40}
